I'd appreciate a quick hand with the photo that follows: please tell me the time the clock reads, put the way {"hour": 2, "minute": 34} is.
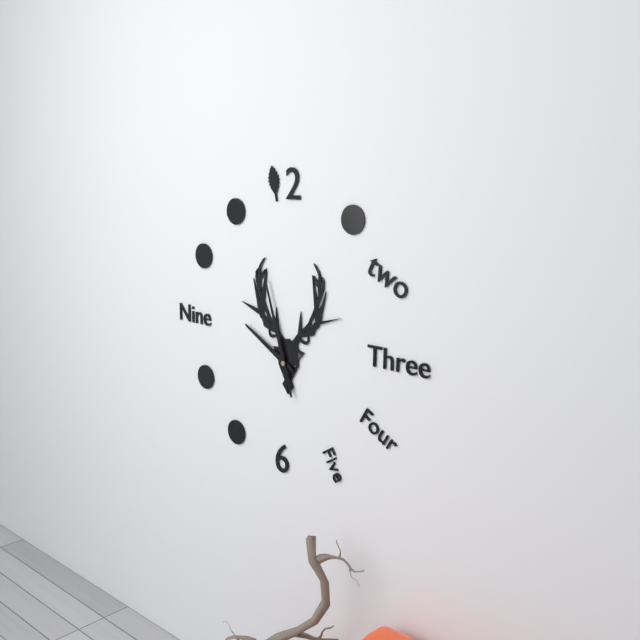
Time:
{"hour": 9, "minute": 57}
